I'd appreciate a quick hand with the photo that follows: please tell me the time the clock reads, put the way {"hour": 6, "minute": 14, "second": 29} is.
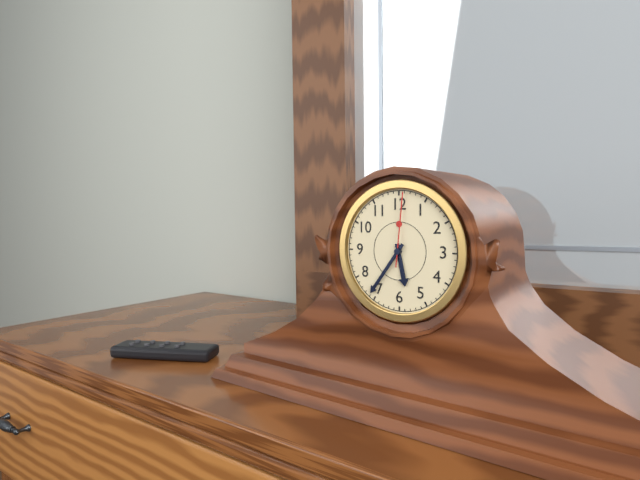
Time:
{"hour": 5, "minute": 36, "second": 1}
